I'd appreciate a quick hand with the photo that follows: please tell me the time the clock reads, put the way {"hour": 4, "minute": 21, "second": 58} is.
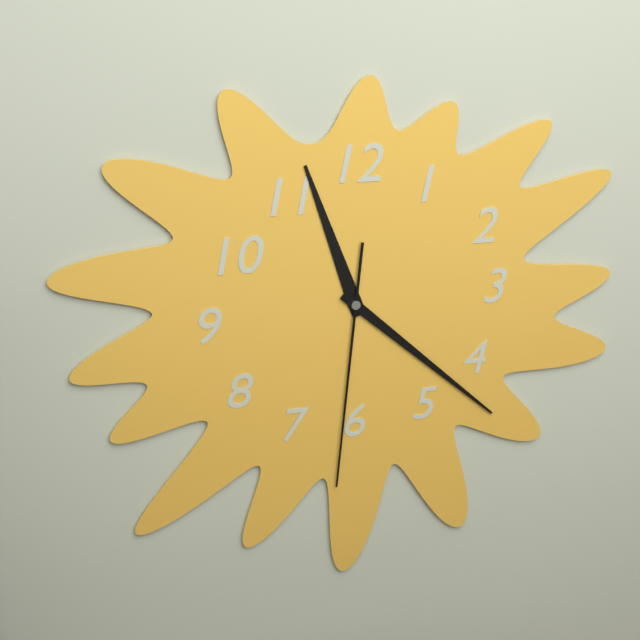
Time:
{"hour": 11, "minute": 22, "second": 31}
